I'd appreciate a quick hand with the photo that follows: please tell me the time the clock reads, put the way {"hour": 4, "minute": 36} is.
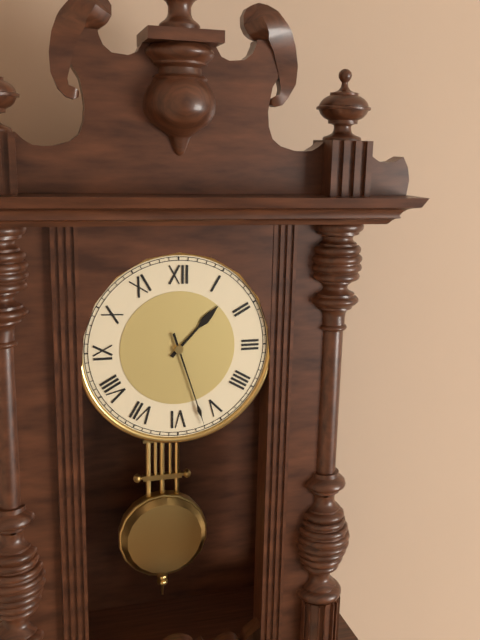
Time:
{"hour": 1, "minute": 27}
